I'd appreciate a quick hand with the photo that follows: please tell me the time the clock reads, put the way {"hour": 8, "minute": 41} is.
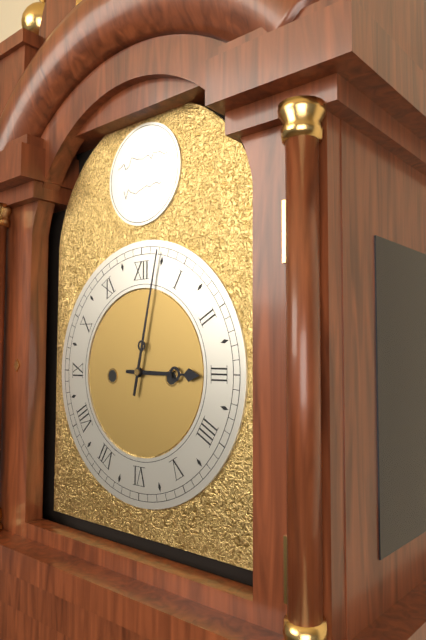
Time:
{"hour": 3, "minute": 2}
